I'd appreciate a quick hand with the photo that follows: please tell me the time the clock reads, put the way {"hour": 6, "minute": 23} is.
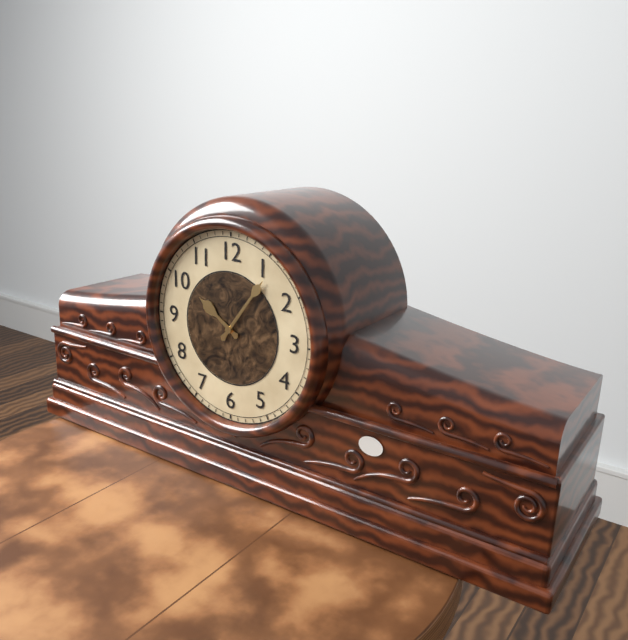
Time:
{"hour": 10, "minute": 6}
